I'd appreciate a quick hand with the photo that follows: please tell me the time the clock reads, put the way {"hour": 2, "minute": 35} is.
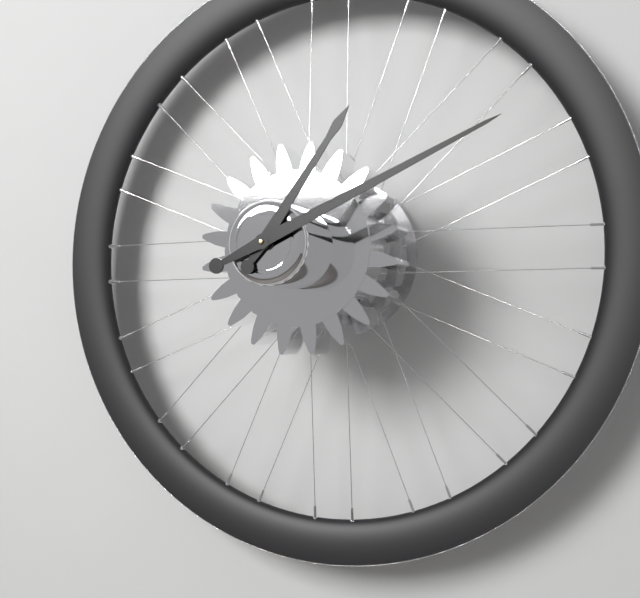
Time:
{"hour": 1, "minute": 11}
